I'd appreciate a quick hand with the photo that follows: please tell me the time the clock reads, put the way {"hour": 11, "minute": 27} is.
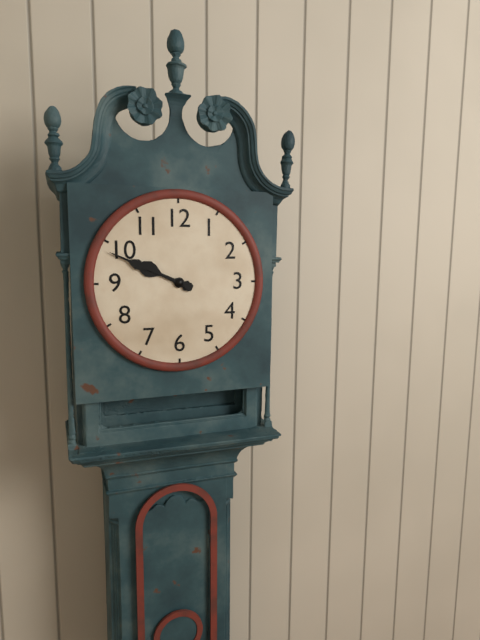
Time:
{"hour": 9, "minute": 49}
